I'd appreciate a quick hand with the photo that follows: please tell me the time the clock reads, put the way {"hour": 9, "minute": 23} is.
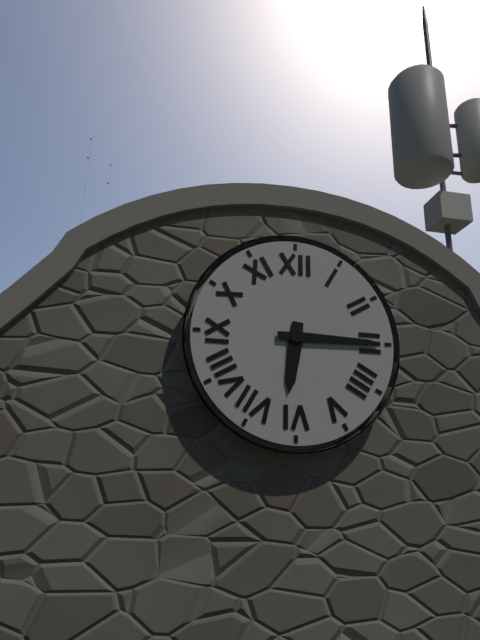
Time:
{"hour": 6, "minute": 15}
